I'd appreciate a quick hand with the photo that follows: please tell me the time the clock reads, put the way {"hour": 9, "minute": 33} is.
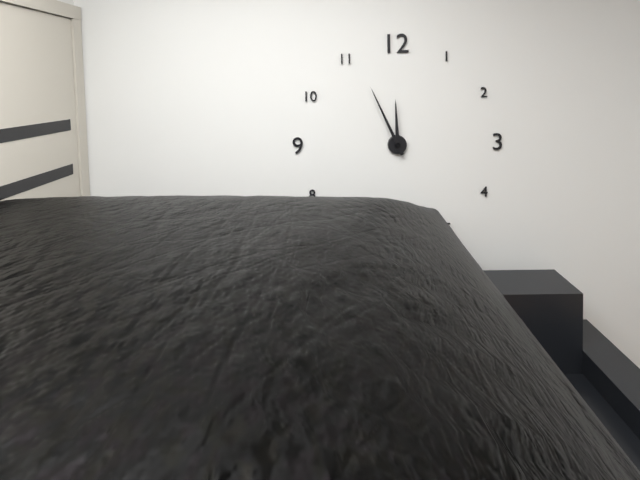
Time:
{"hour": 11, "minute": 56}
